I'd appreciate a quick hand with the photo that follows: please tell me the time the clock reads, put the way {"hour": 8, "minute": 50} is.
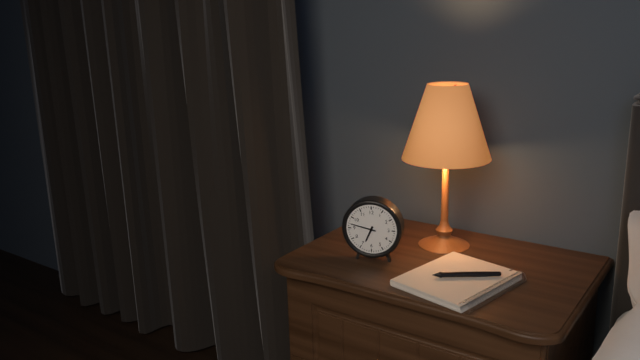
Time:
{"hour": 6, "minute": 47}
